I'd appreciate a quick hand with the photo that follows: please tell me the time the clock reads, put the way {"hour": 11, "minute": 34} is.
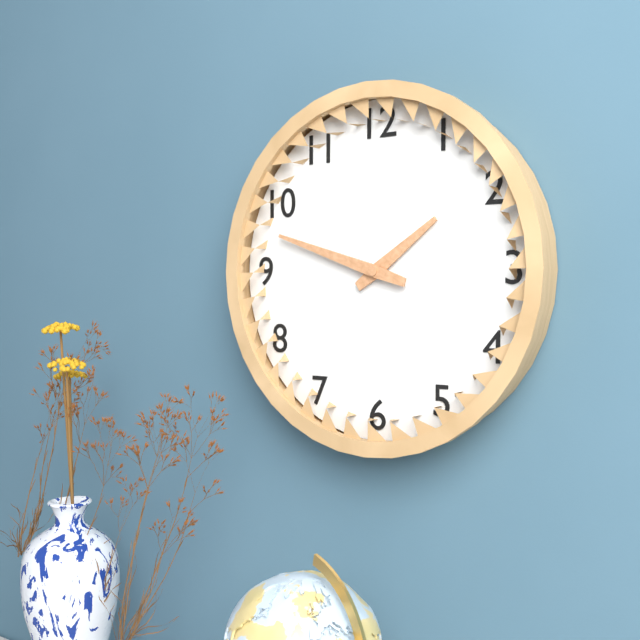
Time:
{"hour": 1, "minute": 48}
